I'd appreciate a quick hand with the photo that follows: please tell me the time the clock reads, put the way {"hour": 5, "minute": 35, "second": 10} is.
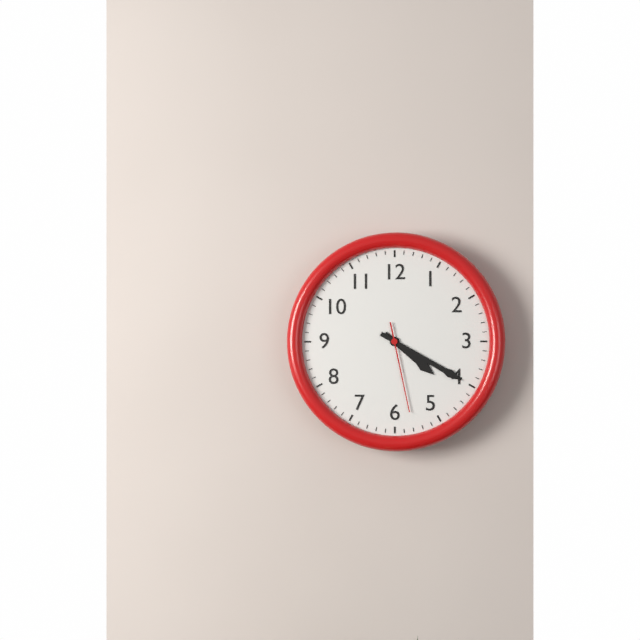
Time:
{"hour": 4, "minute": 20, "second": 28}
